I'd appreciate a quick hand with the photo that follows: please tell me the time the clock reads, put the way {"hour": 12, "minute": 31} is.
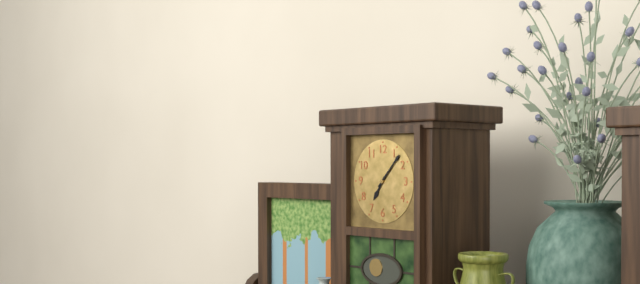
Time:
{"hour": 7, "minute": 7}
